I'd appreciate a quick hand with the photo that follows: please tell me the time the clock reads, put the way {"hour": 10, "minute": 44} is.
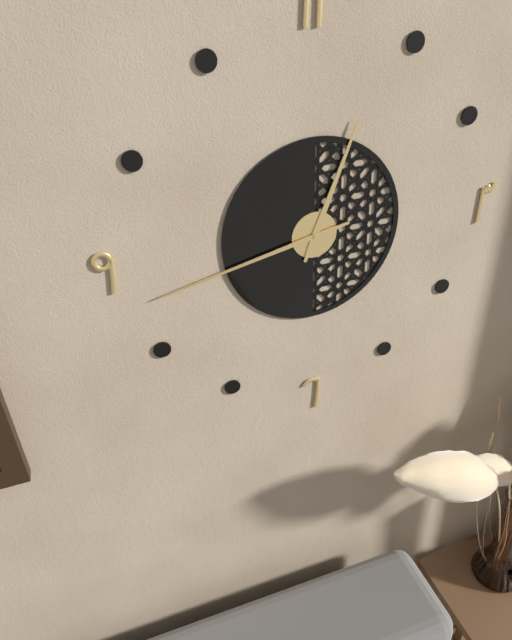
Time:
{"hour": 12, "minute": 43}
